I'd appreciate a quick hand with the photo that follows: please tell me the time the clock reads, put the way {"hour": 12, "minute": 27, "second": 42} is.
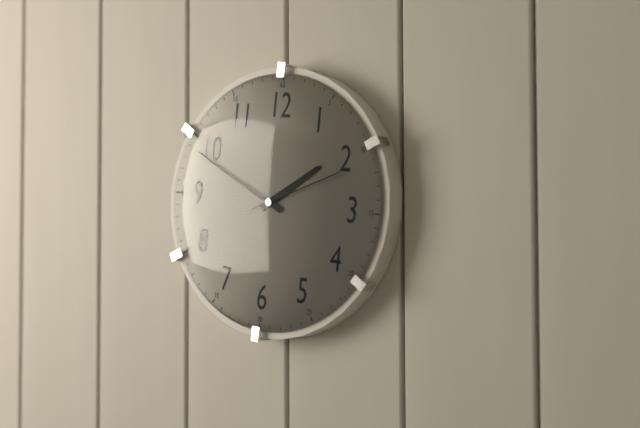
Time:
{"hour": 1, "minute": 49, "second": 11}
